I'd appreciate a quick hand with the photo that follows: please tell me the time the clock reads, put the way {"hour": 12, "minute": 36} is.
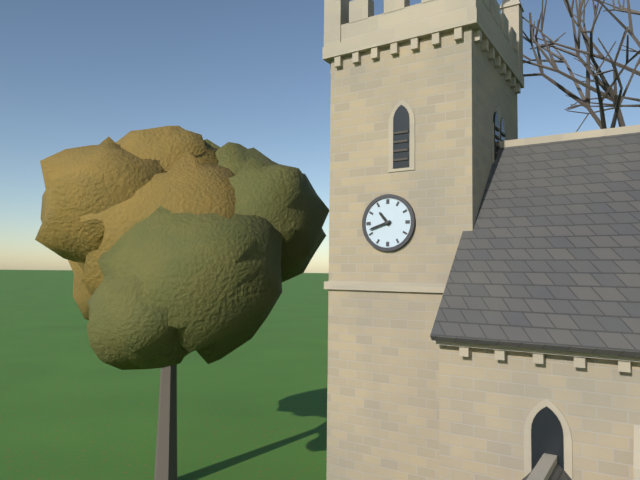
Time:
{"hour": 10, "minute": 42}
